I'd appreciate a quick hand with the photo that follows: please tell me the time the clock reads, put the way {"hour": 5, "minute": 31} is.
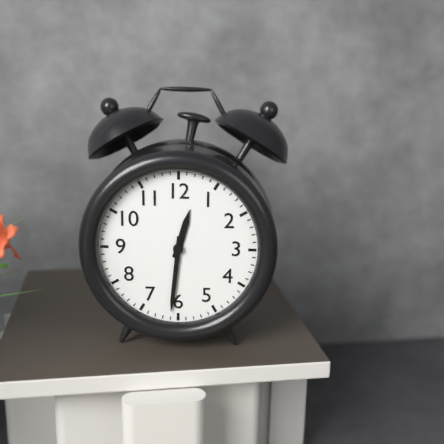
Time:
{"hour": 12, "minute": 31}
